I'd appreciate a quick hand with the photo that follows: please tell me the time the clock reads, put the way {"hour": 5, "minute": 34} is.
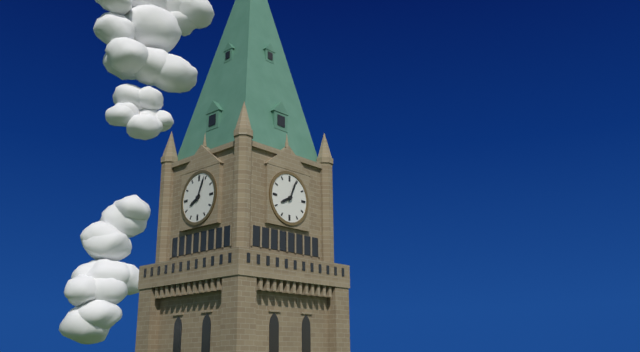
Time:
{"hour": 8, "minute": 4}
